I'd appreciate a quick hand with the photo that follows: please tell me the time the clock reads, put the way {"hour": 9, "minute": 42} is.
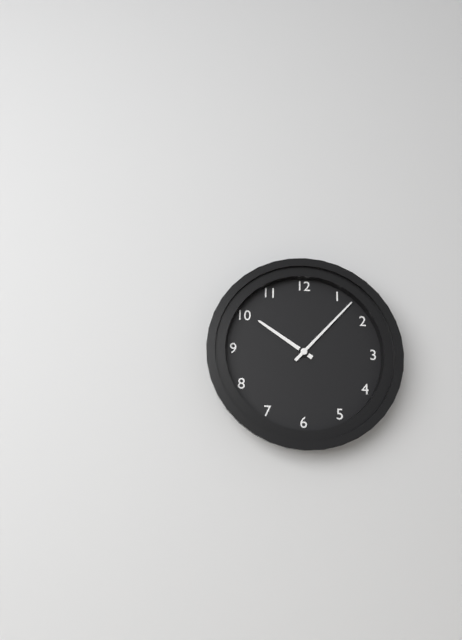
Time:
{"hour": 10, "minute": 7}
